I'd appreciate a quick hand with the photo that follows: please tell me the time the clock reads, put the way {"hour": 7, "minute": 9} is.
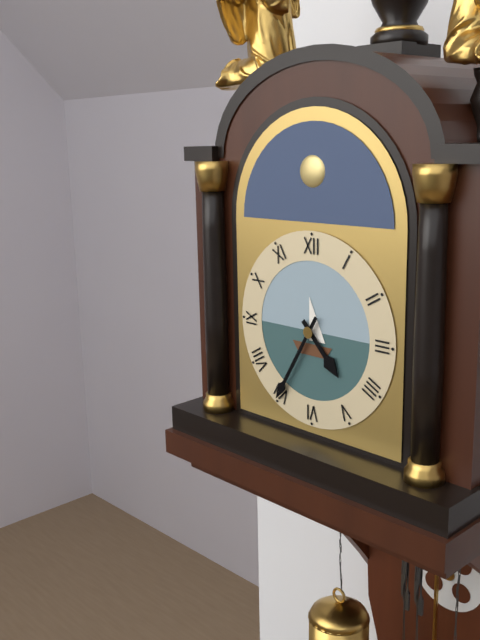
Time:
{"hour": 4, "minute": 35}
